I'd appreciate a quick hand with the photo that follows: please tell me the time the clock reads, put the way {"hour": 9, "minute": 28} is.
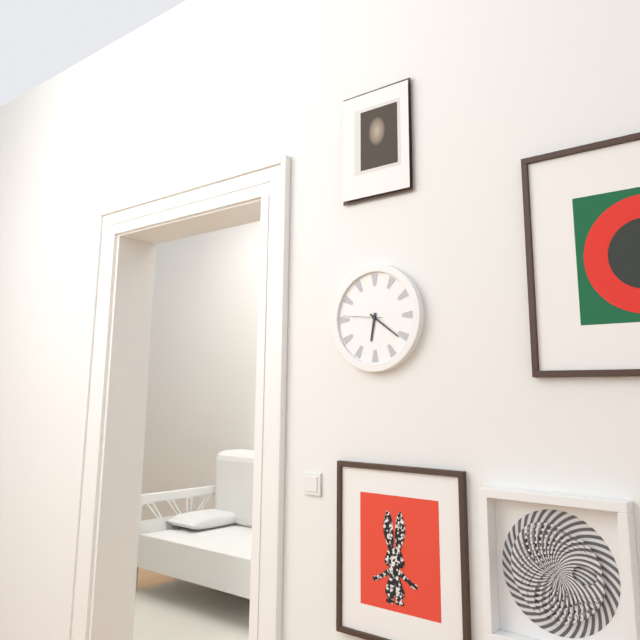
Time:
{"hour": 6, "minute": 21}
